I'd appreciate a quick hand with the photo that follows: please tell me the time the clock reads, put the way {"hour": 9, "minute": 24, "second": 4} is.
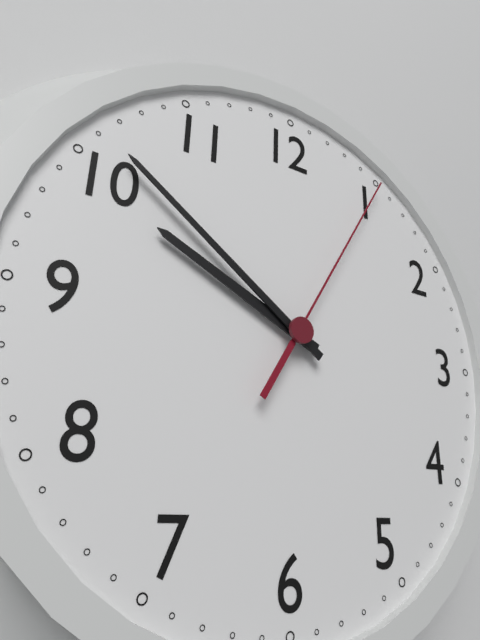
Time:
{"hour": 9, "minute": 51, "second": 5}
